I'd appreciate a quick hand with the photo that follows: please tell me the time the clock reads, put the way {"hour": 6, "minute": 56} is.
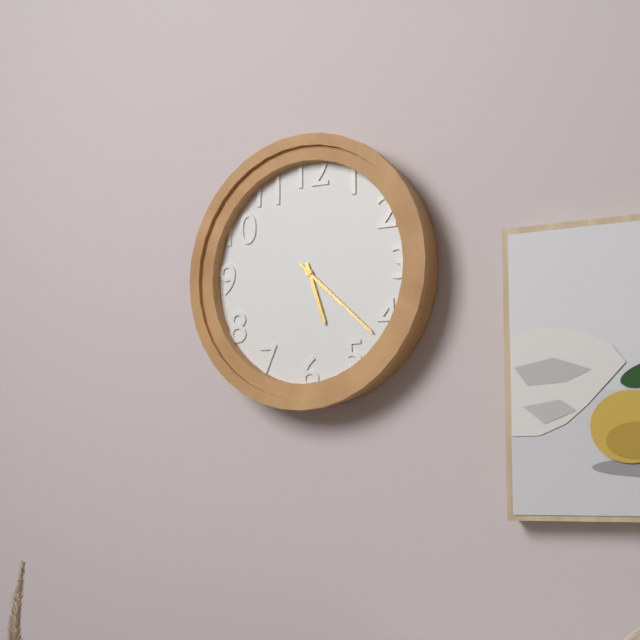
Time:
{"hour": 5, "minute": 22}
